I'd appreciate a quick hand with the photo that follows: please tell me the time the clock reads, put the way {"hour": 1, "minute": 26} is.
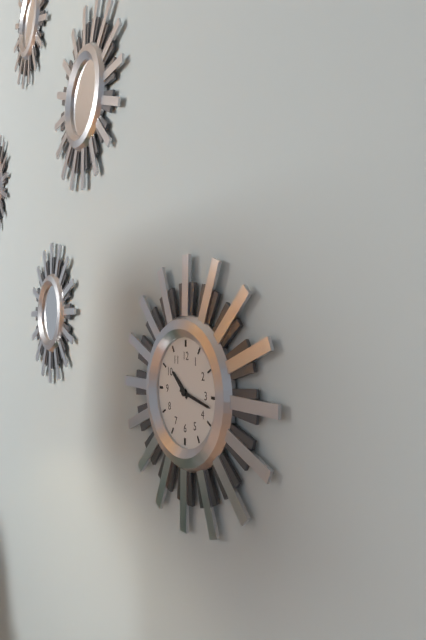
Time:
{"hour": 10, "minute": 17}
